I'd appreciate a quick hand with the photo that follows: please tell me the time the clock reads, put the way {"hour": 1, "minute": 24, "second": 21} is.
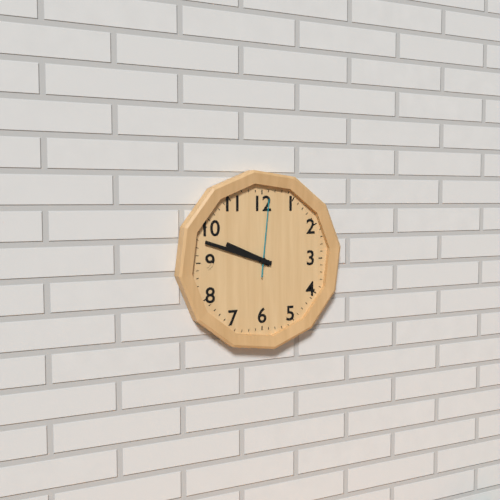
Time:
{"hour": 9, "minute": 48, "second": 1}
